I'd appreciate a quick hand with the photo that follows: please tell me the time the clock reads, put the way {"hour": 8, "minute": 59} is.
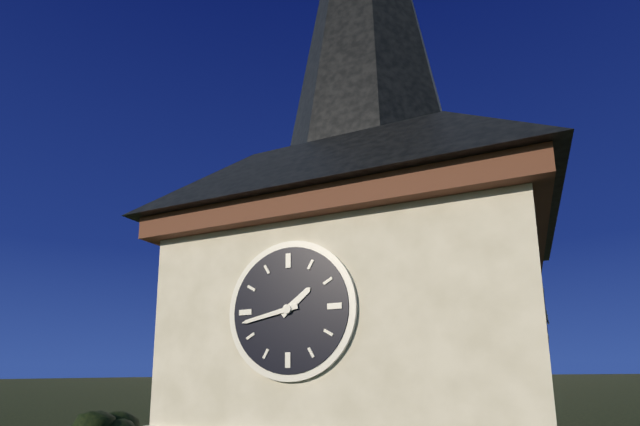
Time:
{"hour": 1, "minute": 43}
